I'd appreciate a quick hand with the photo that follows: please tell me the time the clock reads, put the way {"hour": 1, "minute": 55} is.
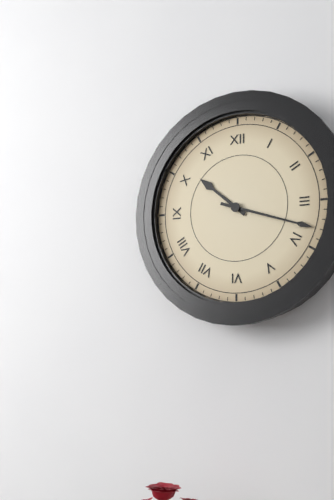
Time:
{"hour": 10, "minute": 18}
